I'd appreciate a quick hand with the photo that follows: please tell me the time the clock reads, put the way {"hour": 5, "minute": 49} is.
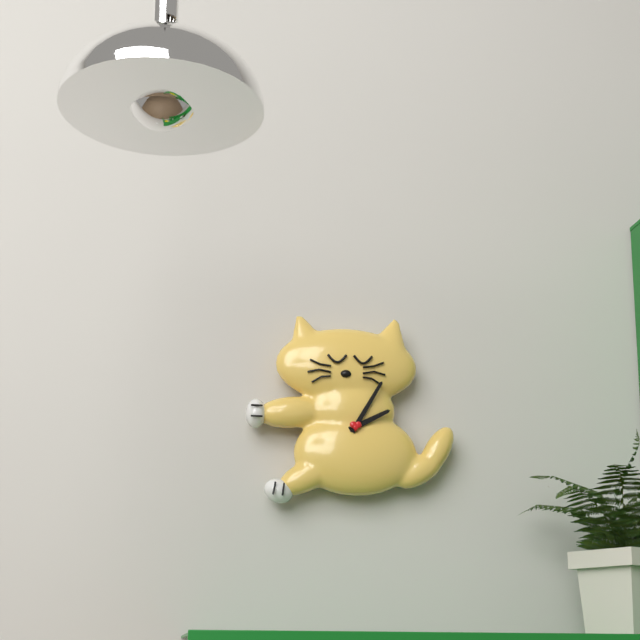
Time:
{"hour": 2, "minute": 5}
